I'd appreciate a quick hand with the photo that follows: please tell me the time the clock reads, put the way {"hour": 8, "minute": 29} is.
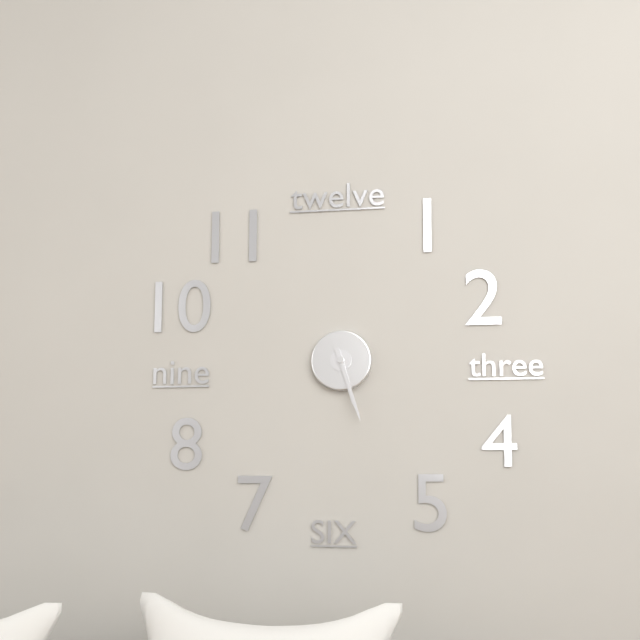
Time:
{"hour": 5, "minute": 27}
